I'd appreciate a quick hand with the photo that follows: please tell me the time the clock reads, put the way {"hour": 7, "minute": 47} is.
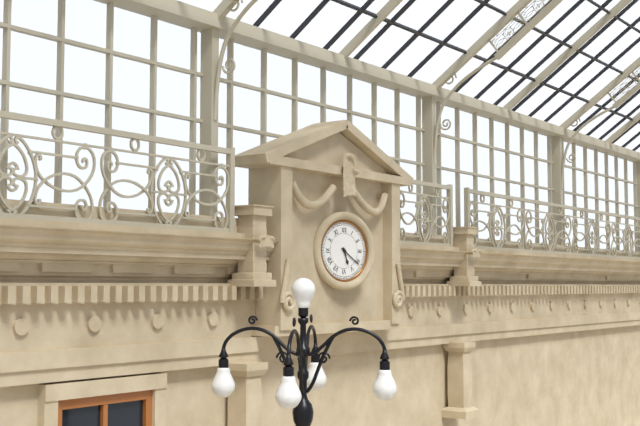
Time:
{"hour": 5, "minute": 21}
